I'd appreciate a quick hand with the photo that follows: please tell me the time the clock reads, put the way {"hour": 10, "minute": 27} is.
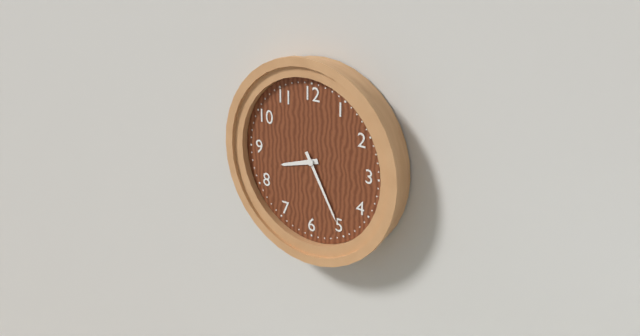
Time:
{"hour": 8, "minute": 25}
